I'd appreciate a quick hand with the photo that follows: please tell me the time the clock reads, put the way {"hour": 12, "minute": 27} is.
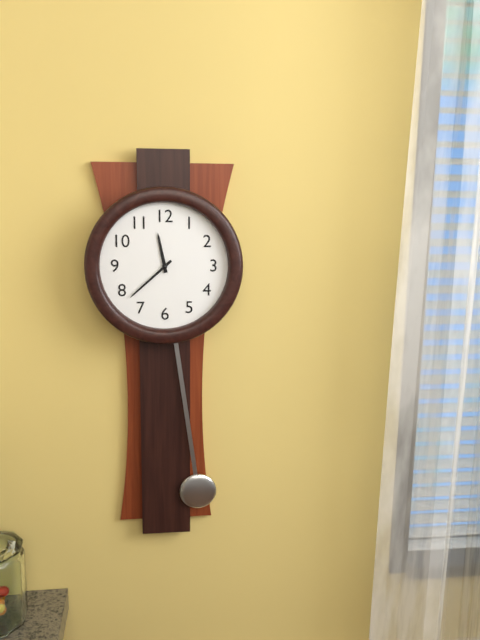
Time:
{"hour": 11, "minute": 38}
